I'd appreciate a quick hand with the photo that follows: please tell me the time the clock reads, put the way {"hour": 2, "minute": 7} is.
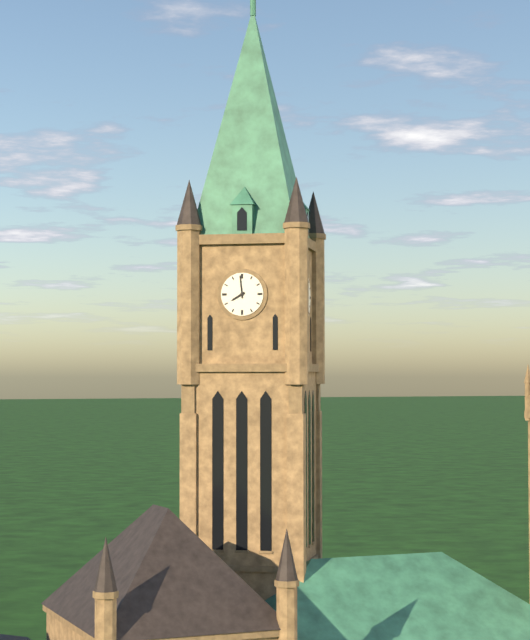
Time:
{"hour": 7, "minute": 59}
